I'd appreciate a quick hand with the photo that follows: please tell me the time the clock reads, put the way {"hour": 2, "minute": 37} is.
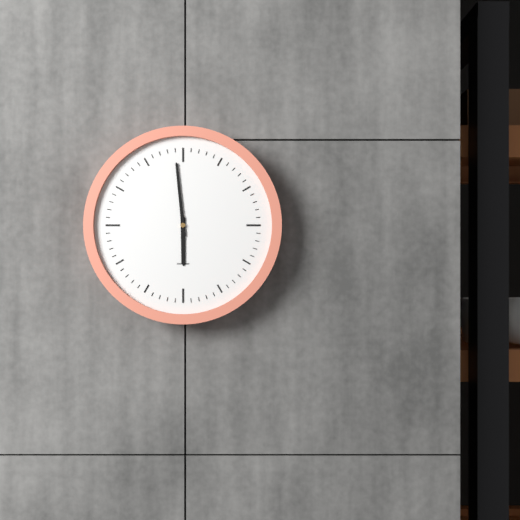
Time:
{"hour": 5, "minute": 59}
